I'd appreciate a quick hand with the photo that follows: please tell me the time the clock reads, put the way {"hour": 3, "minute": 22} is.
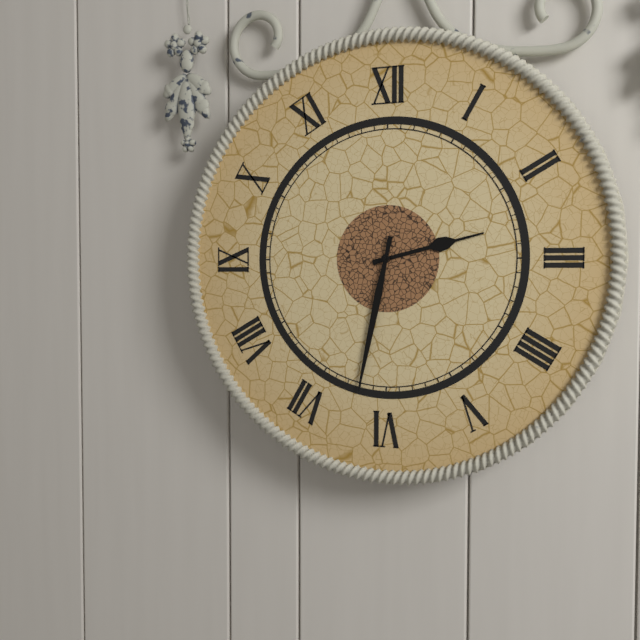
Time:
{"hour": 2, "minute": 32}
